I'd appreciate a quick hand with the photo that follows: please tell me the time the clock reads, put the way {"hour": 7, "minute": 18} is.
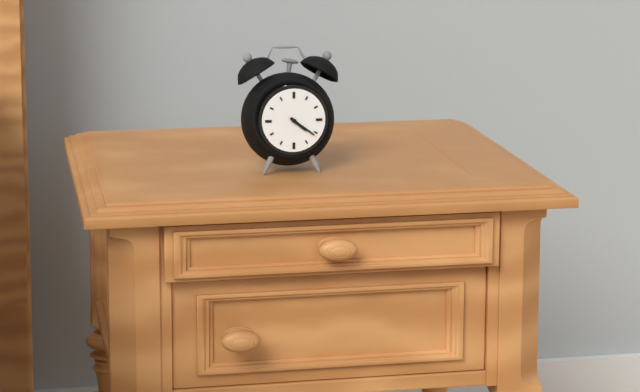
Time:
{"hour": 4, "minute": 21}
